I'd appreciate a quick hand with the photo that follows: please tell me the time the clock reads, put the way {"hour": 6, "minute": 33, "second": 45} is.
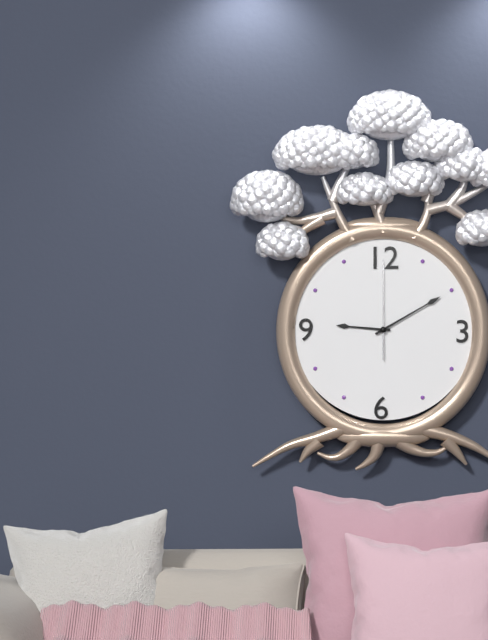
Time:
{"hour": 9, "minute": 10, "second": 0}
